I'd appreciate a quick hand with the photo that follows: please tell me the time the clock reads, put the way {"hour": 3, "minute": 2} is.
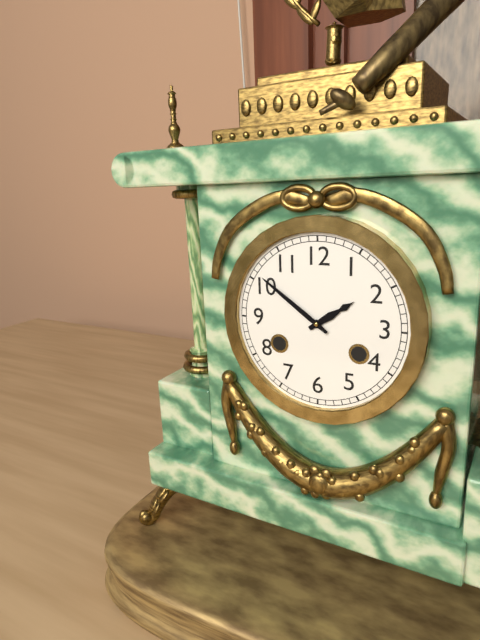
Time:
{"hour": 1, "minute": 51}
